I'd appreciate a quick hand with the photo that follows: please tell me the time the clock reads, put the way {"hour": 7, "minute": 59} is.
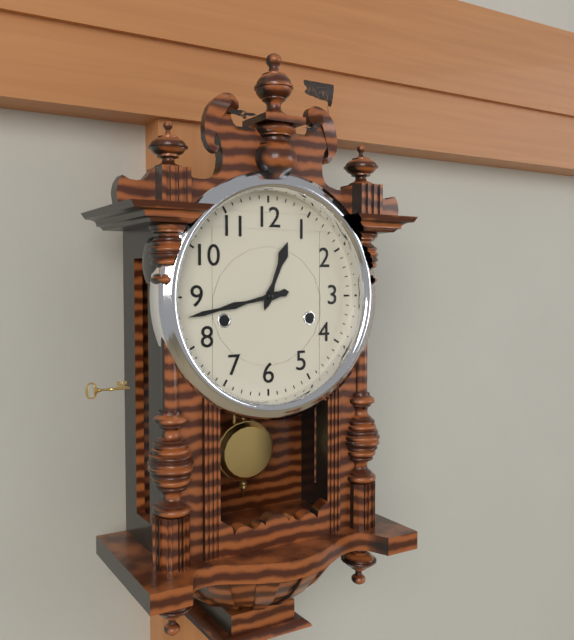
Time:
{"hour": 12, "minute": 43}
